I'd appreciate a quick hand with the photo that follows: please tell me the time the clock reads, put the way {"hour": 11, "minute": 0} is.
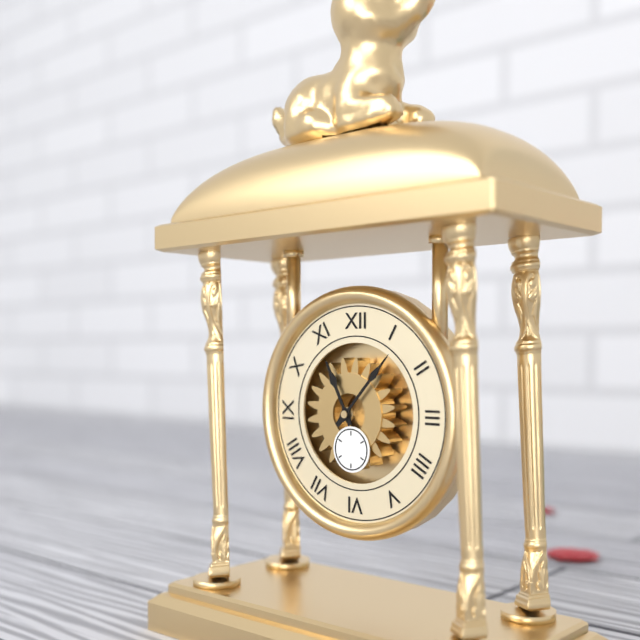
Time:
{"hour": 11, "minute": 7}
